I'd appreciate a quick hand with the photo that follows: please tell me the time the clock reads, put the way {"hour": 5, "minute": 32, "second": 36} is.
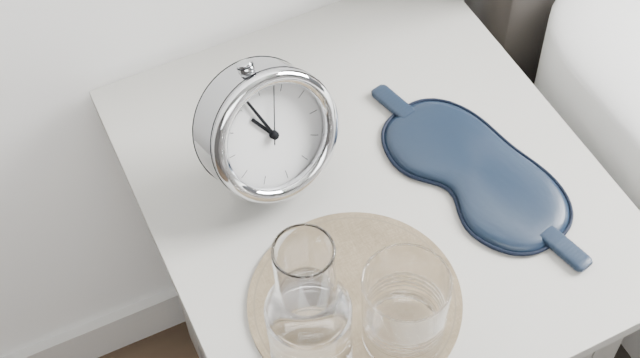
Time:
{"hour": 10, "minute": 57, "second": 3}
